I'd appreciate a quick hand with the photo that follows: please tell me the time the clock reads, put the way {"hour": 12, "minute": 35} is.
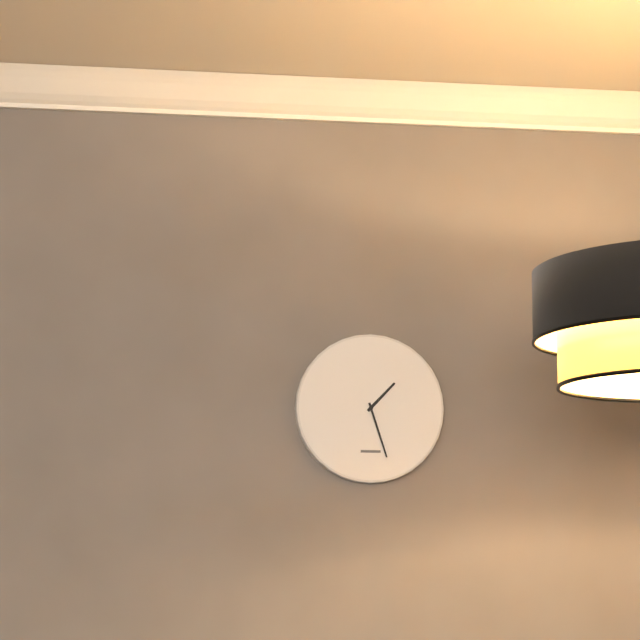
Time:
{"hour": 1, "minute": 27}
